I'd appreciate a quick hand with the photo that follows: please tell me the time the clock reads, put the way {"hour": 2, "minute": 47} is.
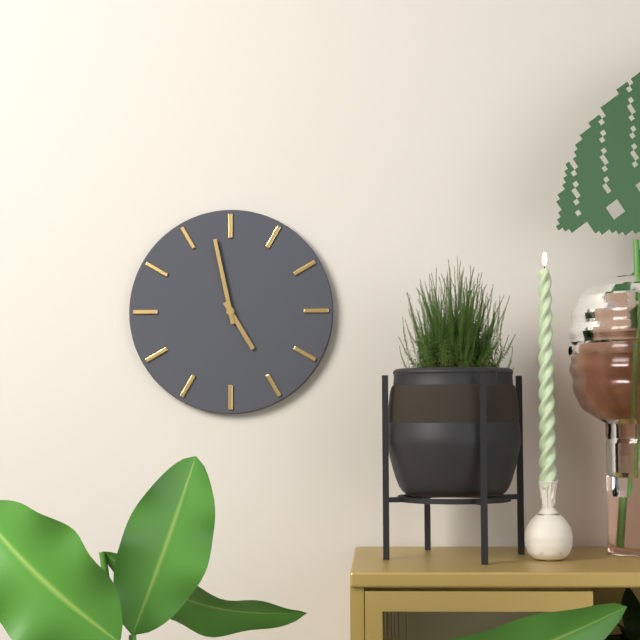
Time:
{"hour": 4, "minute": 58}
